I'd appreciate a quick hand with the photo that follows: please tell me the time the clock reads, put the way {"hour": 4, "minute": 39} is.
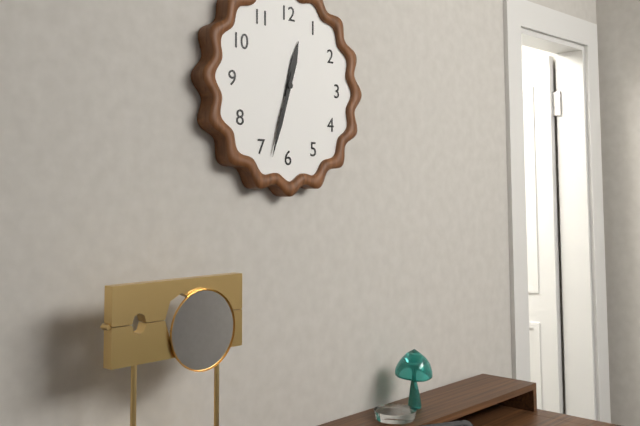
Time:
{"hour": 12, "minute": 33}
